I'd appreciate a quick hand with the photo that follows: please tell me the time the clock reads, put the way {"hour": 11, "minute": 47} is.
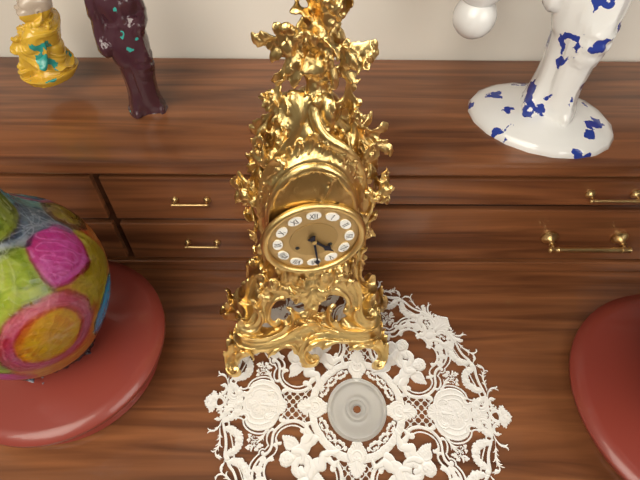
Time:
{"hour": 4, "minute": 29}
